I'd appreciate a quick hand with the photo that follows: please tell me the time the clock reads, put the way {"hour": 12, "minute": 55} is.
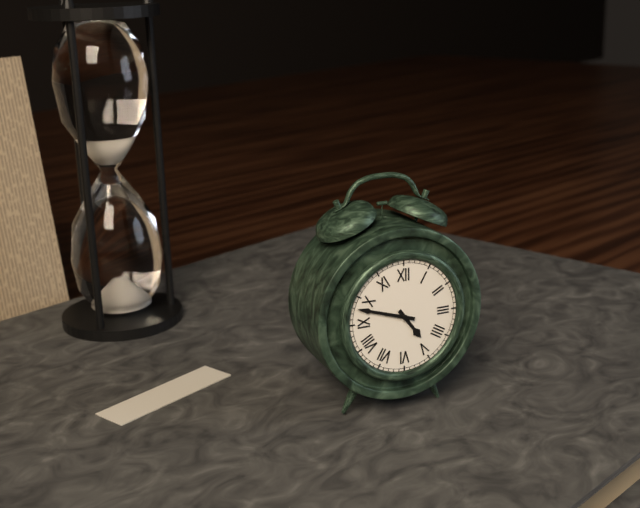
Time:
{"hour": 4, "minute": 48}
